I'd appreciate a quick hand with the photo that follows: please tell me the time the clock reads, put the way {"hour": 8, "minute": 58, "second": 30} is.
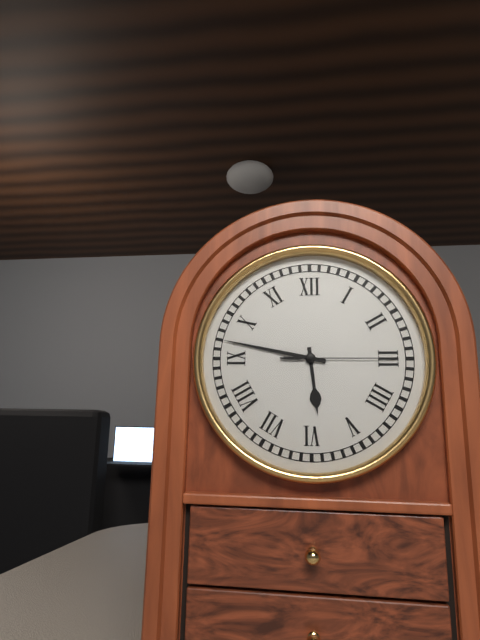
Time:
{"hour": 5, "minute": 47, "second": 15}
